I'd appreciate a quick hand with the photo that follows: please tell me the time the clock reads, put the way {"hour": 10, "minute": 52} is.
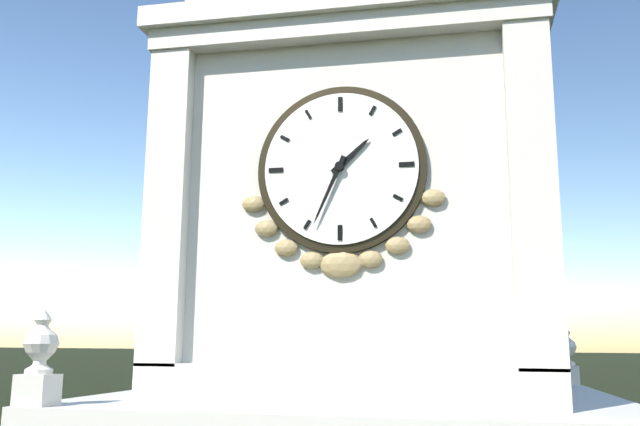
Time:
{"hour": 1, "minute": 34}
